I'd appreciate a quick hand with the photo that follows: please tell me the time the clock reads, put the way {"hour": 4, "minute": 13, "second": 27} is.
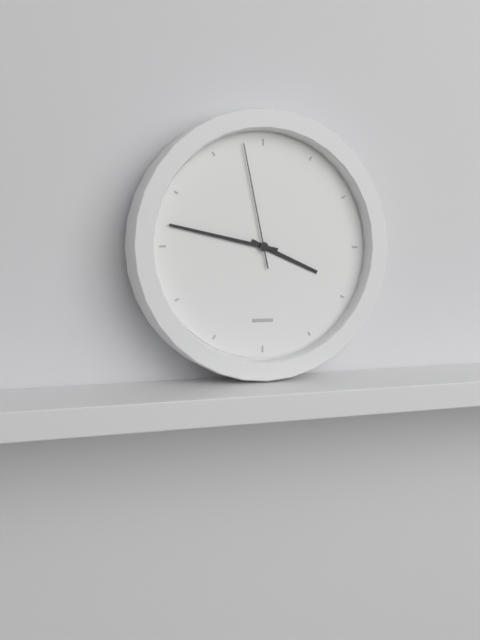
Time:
{"hour": 3, "minute": 47, "second": 58}
